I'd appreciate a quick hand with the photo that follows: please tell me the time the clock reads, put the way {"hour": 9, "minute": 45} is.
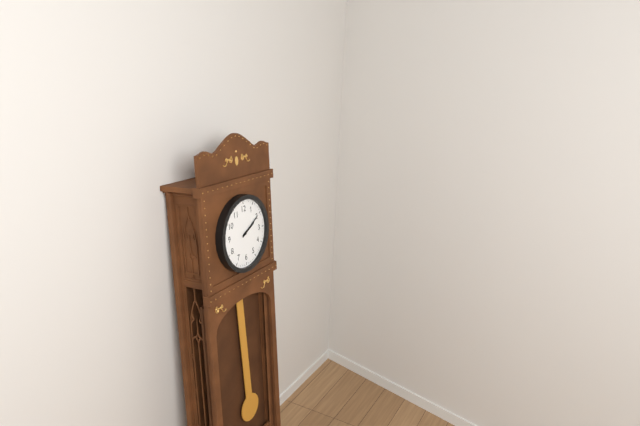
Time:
{"hour": 2, "minute": 10}
